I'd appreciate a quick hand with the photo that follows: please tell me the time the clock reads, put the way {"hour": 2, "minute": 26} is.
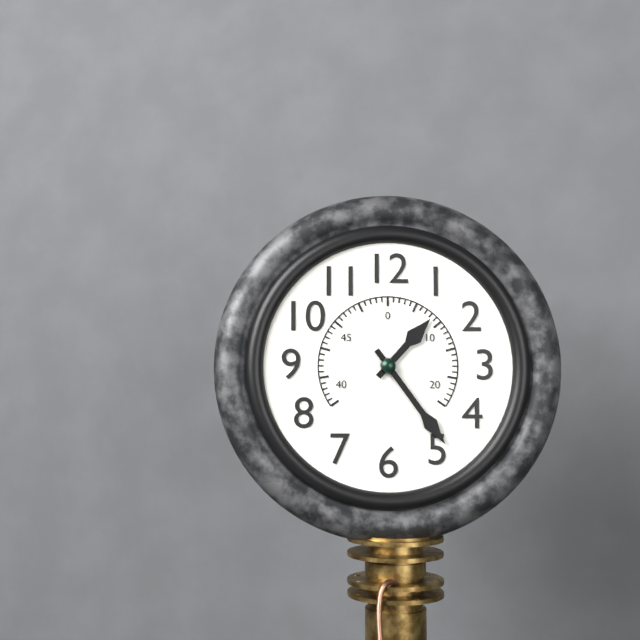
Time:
{"hour": 1, "minute": 24}
